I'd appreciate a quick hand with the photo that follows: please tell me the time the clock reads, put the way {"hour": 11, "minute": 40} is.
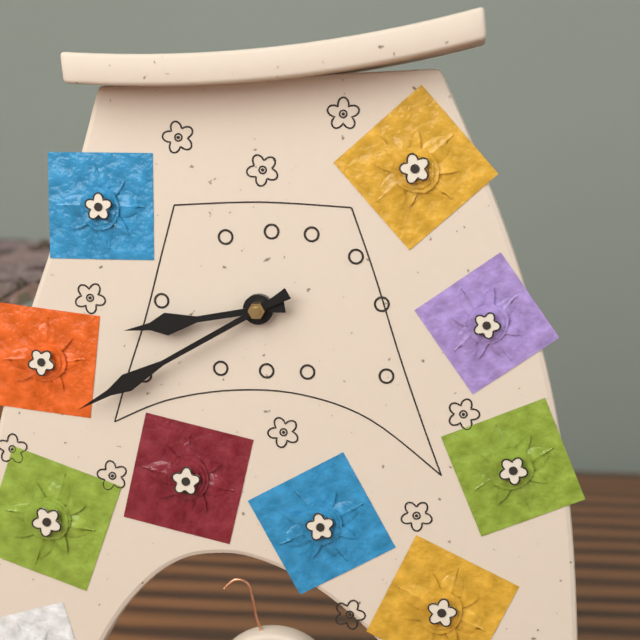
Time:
{"hour": 8, "minute": 40}
